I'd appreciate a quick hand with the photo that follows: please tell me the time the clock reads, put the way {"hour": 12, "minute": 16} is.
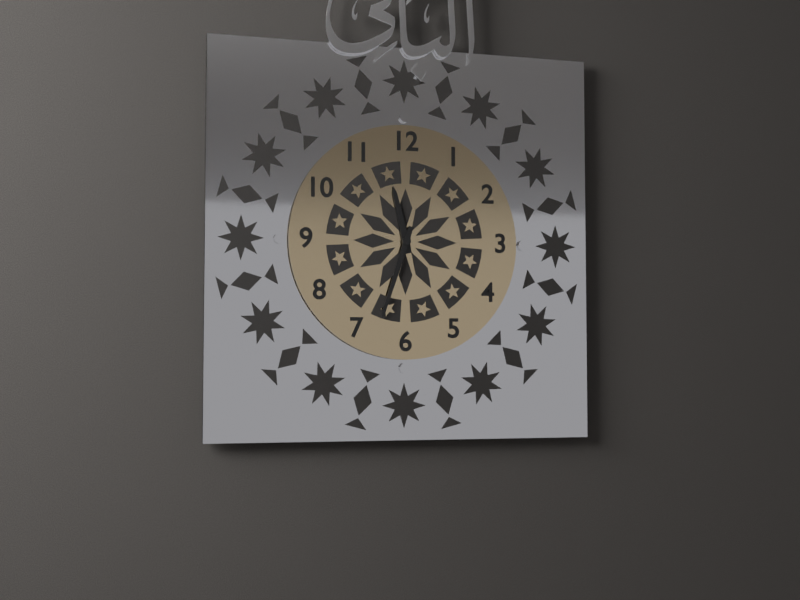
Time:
{"hour": 11, "minute": 33}
